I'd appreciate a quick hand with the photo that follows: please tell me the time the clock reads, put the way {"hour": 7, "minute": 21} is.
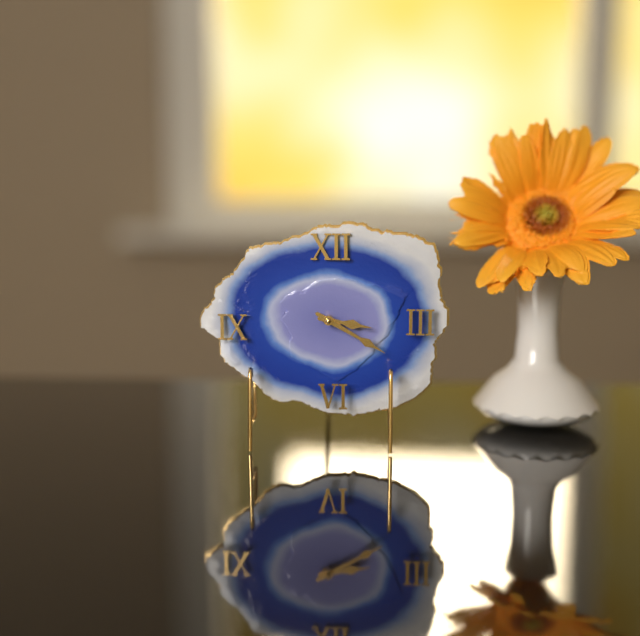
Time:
{"hour": 3, "minute": 20}
